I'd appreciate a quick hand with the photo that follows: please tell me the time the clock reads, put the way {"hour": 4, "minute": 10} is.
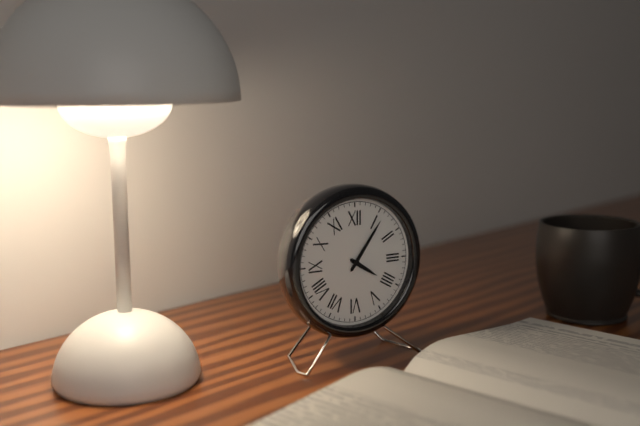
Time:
{"hour": 4, "minute": 6}
